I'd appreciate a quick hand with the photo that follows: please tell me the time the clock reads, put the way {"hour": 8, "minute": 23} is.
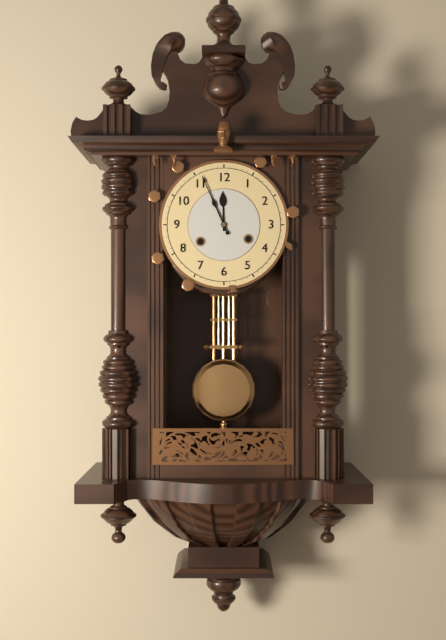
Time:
{"hour": 11, "minute": 56}
